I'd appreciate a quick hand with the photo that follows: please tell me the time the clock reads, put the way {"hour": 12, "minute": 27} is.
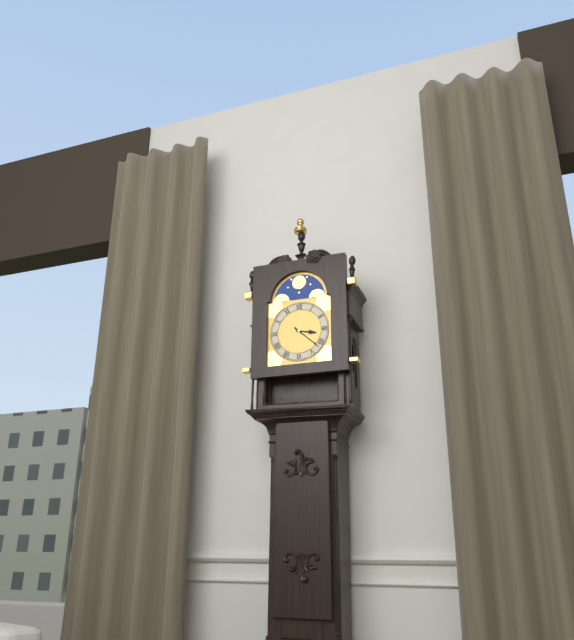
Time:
{"hour": 3, "minute": 22}
